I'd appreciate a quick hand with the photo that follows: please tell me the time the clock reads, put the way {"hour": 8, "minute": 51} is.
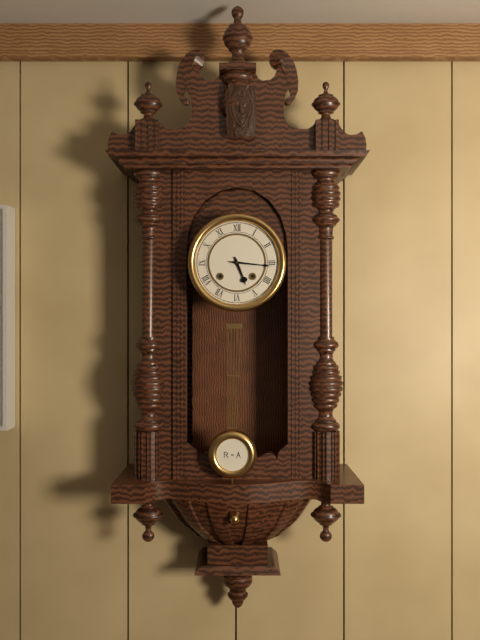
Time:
{"hour": 5, "minute": 16}
